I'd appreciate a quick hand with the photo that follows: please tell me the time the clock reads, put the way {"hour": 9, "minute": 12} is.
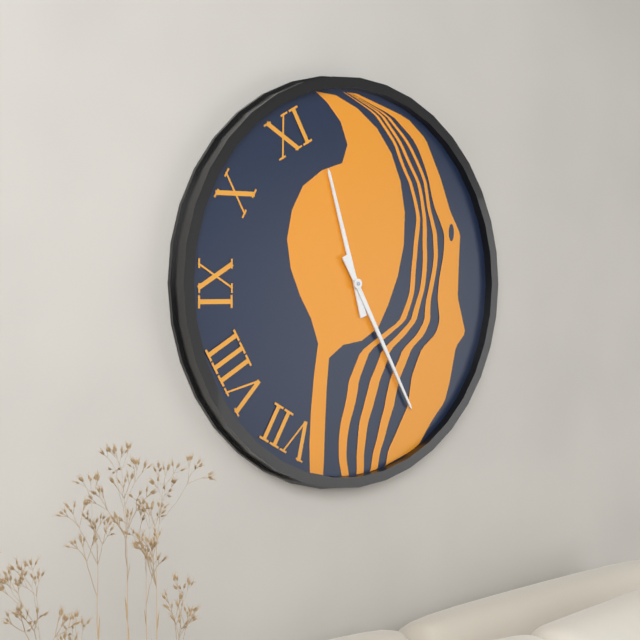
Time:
{"hour": 11, "minute": 25}
